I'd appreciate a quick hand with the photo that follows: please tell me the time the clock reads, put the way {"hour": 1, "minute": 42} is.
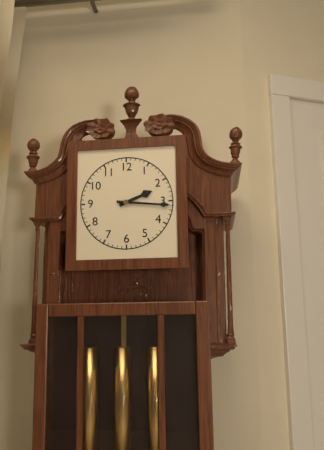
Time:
{"hour": 2, "minute": 16}
